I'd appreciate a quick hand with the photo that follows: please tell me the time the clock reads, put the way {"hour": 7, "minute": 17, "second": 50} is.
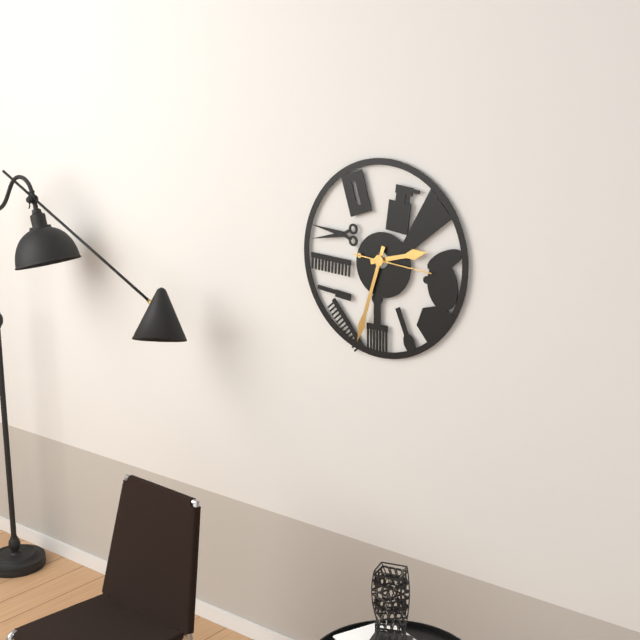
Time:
{"hour": 2, "minute": 33, "second": 16}
